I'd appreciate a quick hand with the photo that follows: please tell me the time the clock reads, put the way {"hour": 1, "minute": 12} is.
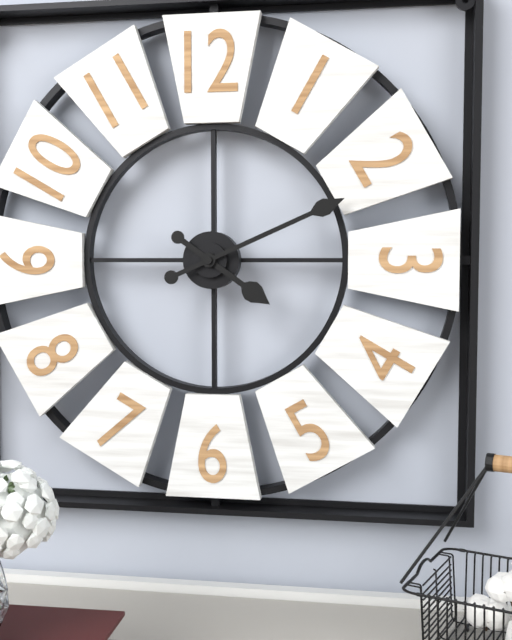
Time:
{"hour": 4, "minute": 11}
